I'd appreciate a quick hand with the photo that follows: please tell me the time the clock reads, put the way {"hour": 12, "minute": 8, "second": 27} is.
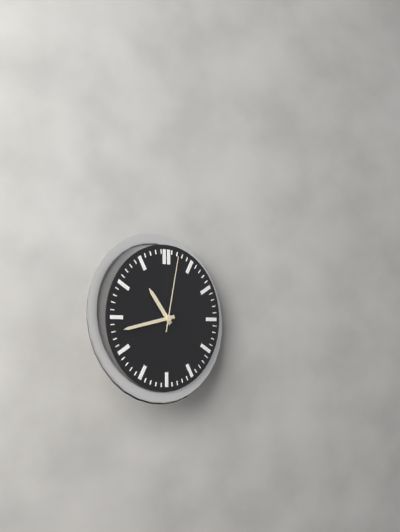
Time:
{"hour": 10, "minute": 43, "second": 2}
